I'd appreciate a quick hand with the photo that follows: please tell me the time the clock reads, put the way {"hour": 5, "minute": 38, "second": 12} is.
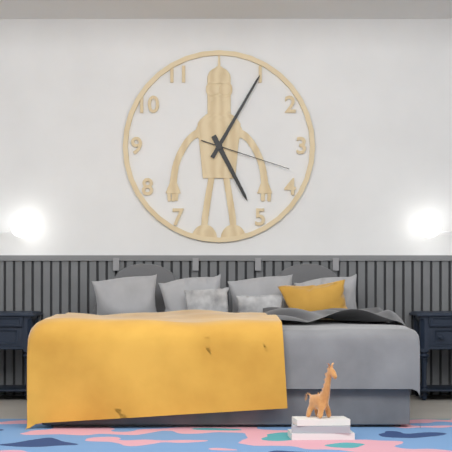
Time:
{"hour": 5, "minute": 5, "second": 18}
